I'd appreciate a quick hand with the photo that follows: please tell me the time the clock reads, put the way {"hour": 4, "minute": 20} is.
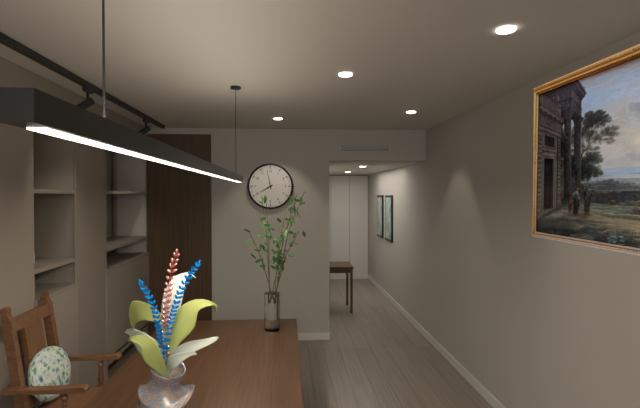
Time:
{"hour": 7, "minute": 58}
